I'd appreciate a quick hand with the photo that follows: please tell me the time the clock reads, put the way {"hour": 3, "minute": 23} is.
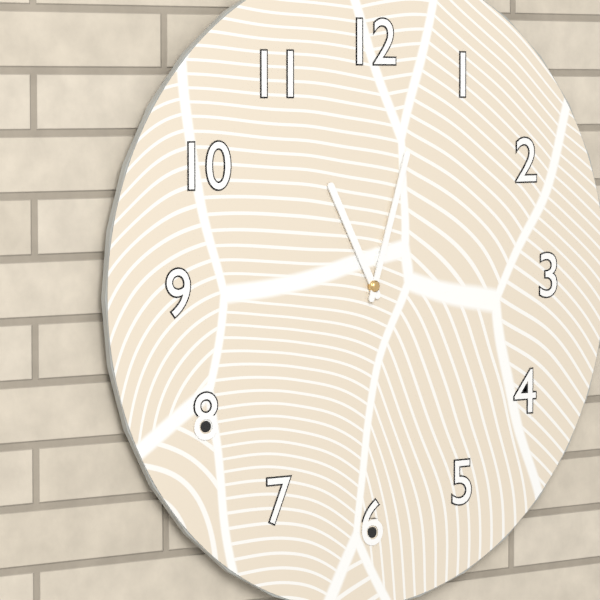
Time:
{"hour": 11, "minute": 3}
